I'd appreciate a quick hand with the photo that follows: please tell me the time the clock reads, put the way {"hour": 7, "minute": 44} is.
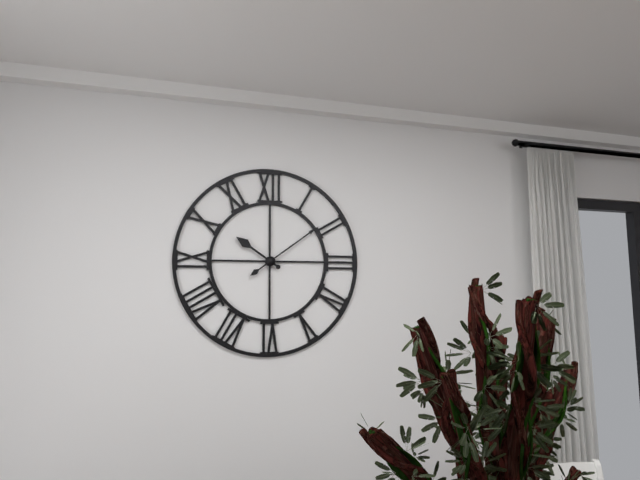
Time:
{"hour": 10, "minute": 9}
